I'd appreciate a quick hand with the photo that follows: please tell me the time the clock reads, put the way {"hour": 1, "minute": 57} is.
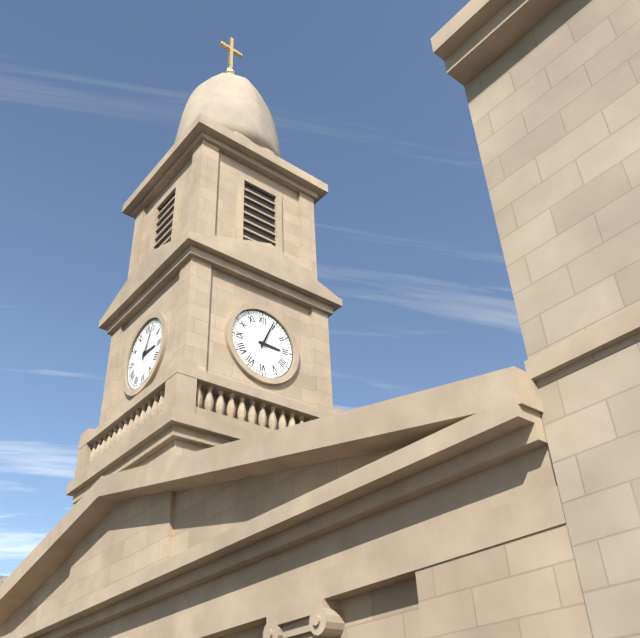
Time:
{"hour": 3, "minute": 4}
